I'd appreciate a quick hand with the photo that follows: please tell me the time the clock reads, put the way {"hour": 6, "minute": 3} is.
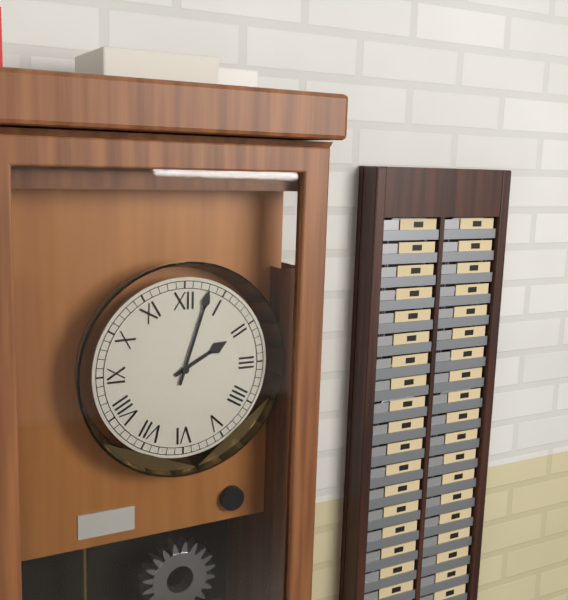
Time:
{"hour": 2, "minute": 3}
